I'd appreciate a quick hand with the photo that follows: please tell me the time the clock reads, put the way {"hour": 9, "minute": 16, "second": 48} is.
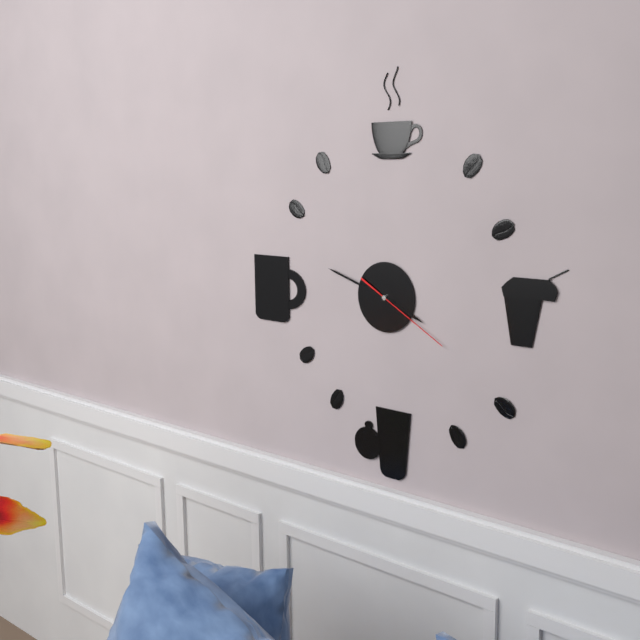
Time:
{"hour": 3, "minute": 48, "second": 20}
